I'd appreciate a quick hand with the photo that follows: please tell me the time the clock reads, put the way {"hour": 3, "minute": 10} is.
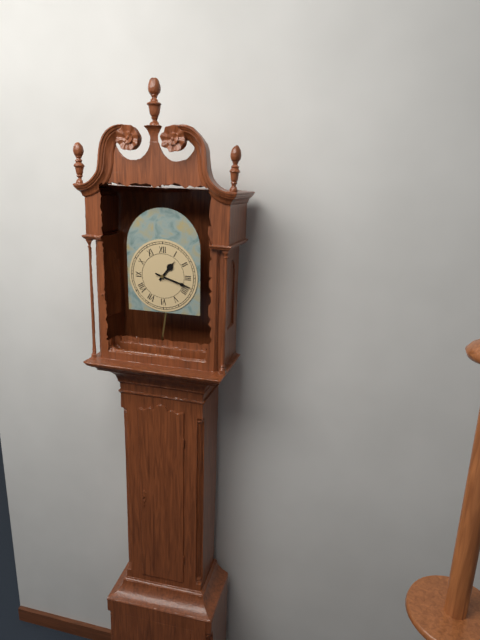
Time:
{"hour": 1, "minute": 18}
